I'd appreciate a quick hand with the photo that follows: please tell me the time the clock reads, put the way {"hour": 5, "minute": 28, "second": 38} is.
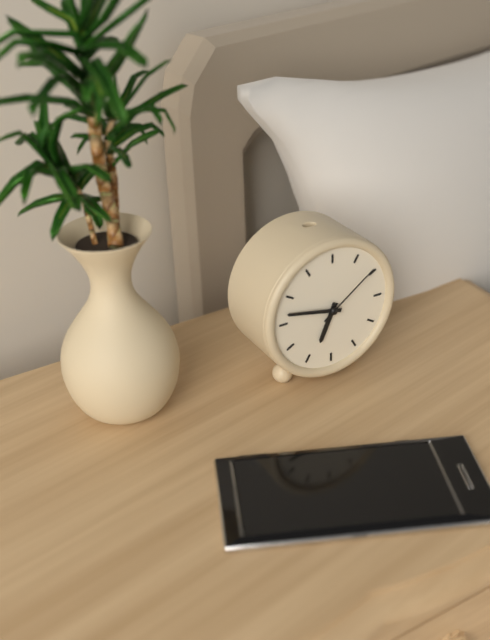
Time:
{"hour": 6, "minute": 47, "second": 9}
